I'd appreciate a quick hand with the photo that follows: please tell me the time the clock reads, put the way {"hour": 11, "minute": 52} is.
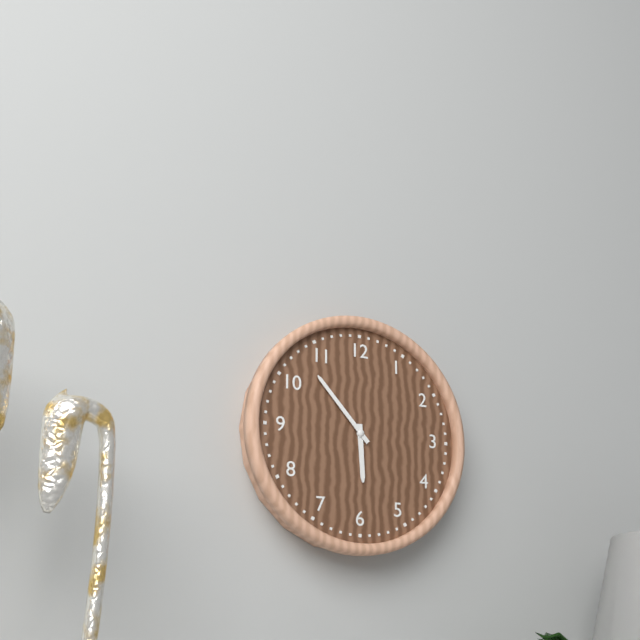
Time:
{"hour": 5, "minute": 53}
